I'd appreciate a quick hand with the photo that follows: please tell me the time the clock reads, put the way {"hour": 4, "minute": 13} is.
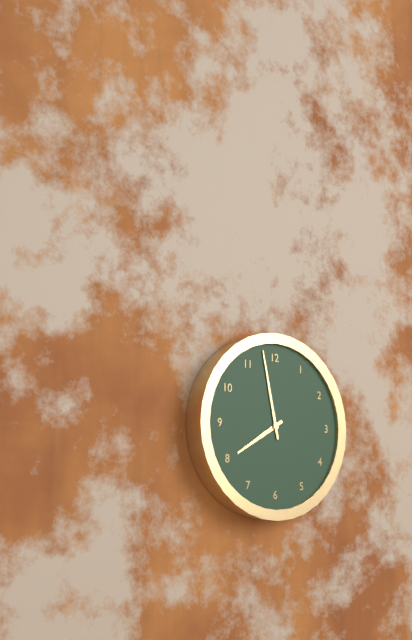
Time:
{"hour": 7, "minute": 58}
